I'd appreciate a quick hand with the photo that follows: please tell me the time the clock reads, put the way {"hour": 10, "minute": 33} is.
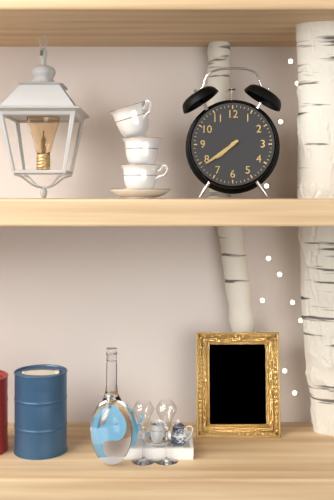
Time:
{"hour": 7, "minute": 39}
